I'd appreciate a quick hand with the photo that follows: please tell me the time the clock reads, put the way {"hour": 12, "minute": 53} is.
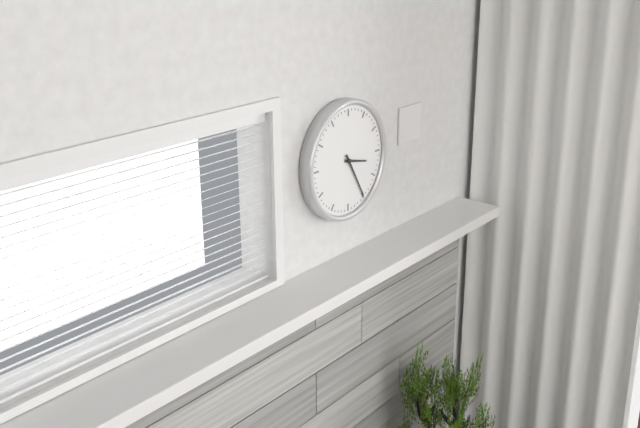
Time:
{"hour": 3, "minute": 25}
